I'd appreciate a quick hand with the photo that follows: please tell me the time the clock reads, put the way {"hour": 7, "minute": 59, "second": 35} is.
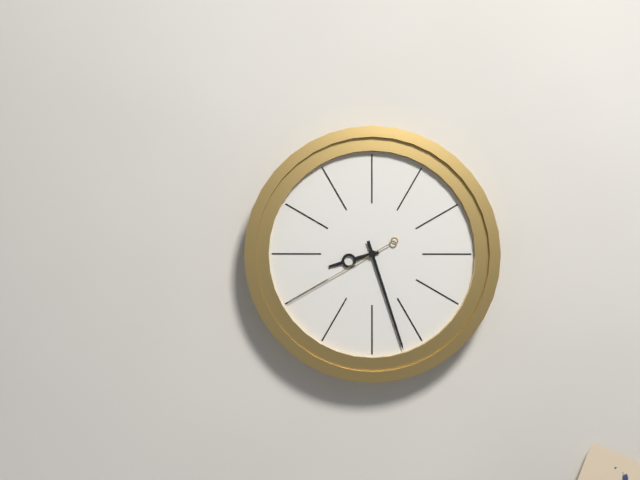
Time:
{"hour": 8, "minute": 27, "second": 40}
